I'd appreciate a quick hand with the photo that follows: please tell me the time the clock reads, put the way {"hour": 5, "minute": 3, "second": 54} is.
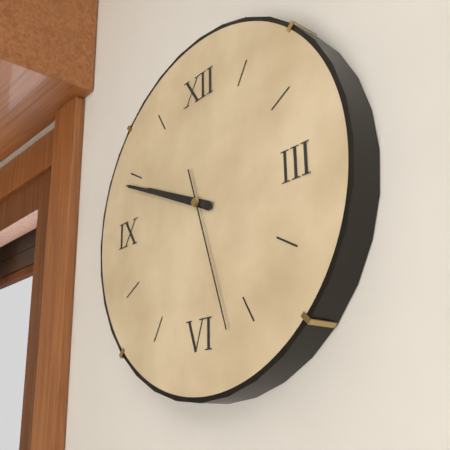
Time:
{"hour": 9, "minute": 49, "second": 27}
